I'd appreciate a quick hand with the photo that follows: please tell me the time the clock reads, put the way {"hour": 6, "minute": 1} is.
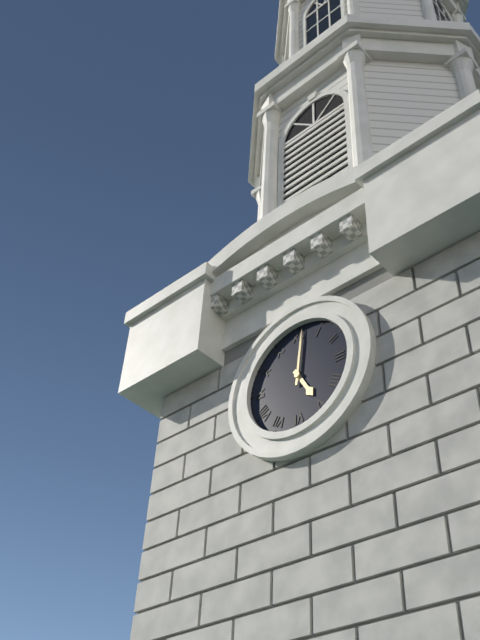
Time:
{"hour": 5, "minute": 1}
